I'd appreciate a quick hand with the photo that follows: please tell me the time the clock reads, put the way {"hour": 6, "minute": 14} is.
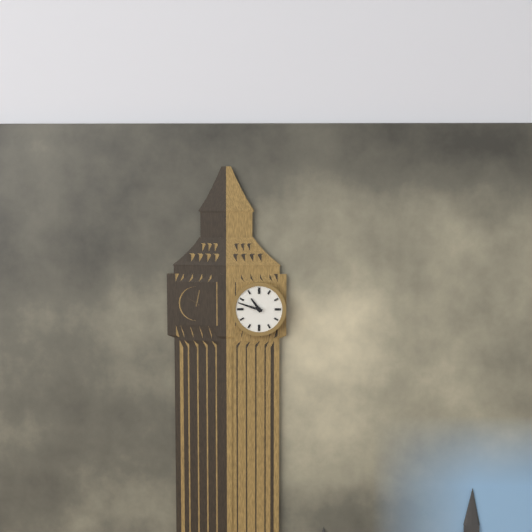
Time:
{"hour": 10, "minute": 48}
